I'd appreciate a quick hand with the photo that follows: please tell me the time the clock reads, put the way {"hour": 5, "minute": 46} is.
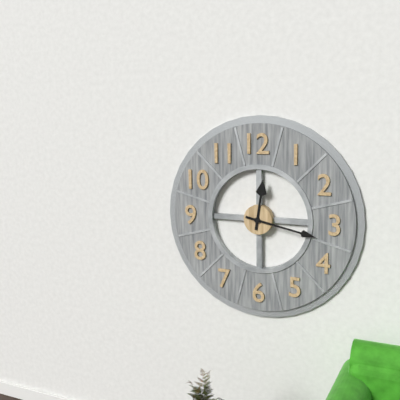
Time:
{"hour": 12, "minute": 17}
